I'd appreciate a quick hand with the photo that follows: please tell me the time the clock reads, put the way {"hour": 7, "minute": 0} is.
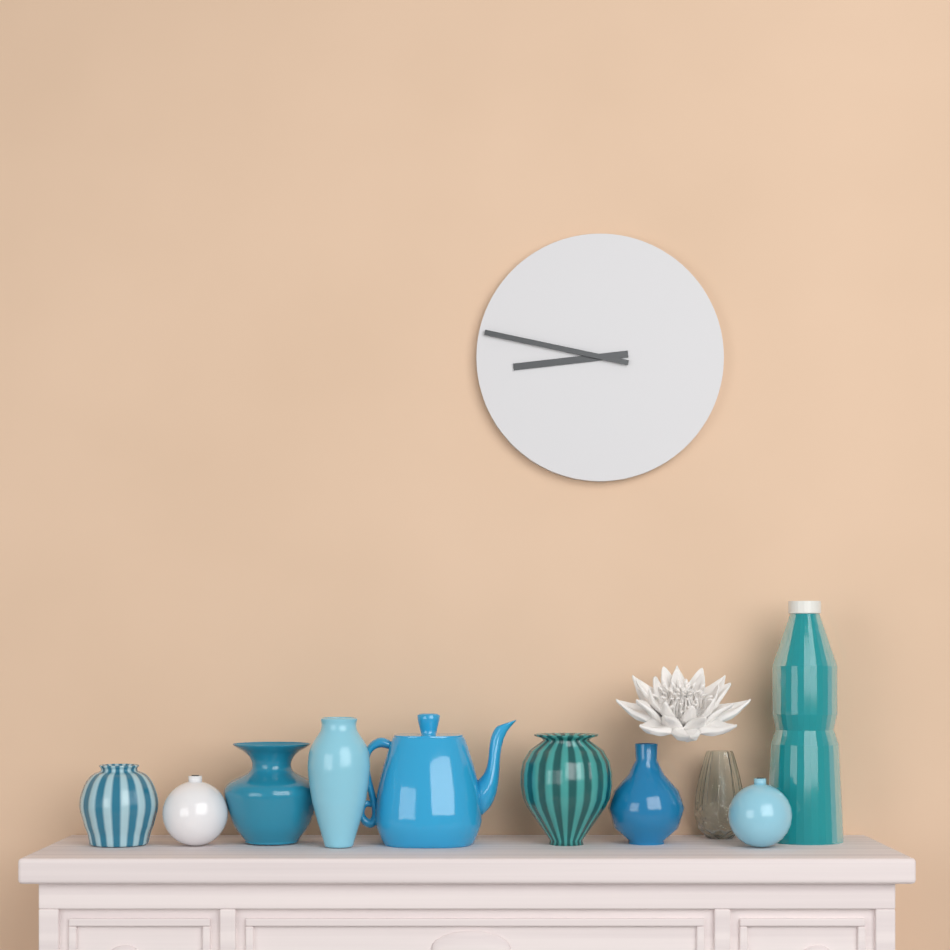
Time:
{"hour": 8, "minute": 47}
